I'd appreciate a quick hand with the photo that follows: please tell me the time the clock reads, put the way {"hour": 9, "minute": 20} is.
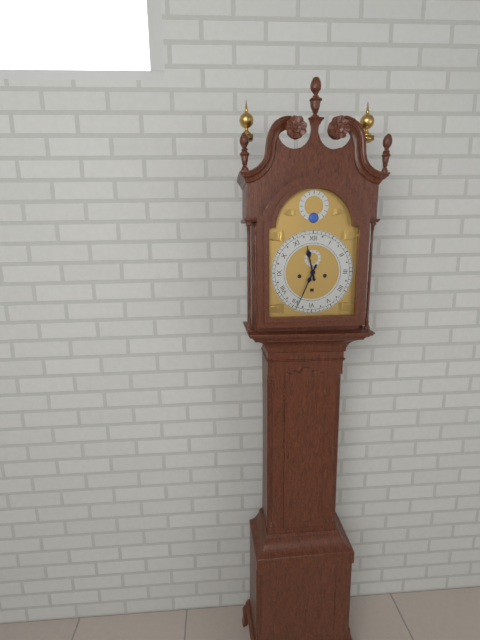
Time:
{"hour": 11, "minute": 34}
